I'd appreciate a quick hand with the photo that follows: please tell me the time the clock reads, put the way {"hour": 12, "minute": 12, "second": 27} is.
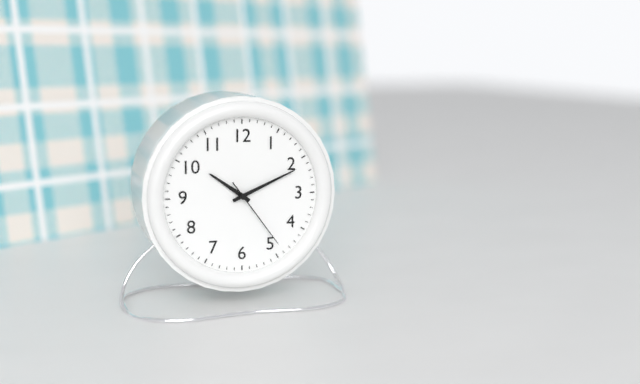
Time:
{"hour": 10, "minute": 11, "second": 24}
